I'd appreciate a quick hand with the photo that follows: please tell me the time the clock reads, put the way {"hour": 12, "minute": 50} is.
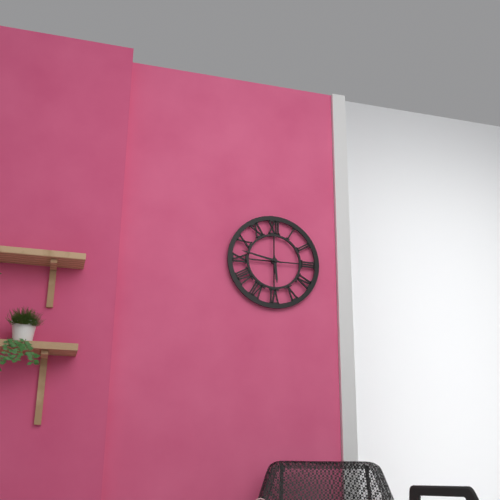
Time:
{"hour": 5, "minute": 47}
